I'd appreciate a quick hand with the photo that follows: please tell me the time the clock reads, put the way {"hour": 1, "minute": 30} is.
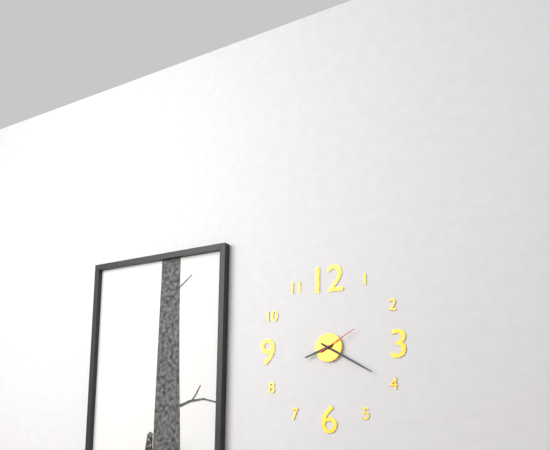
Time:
{"hour": 8, "minute": 20}
